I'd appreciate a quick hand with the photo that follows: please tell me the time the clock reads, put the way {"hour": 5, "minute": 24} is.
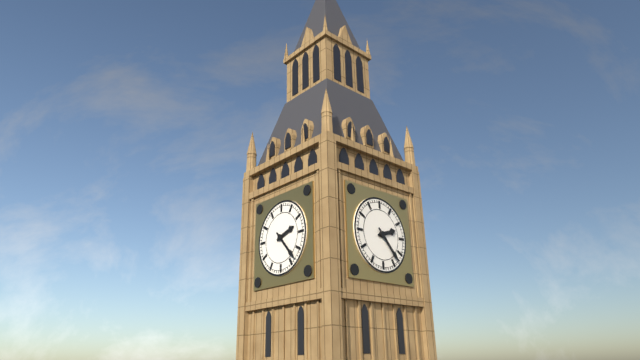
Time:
{"hour": 2, "minute": 23}
